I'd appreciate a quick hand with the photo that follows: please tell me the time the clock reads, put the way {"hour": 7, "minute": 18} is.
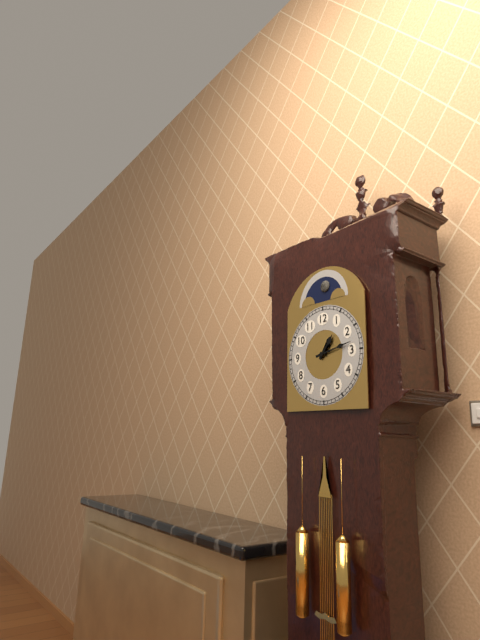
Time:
{"hour": 1, "minute": 13}
